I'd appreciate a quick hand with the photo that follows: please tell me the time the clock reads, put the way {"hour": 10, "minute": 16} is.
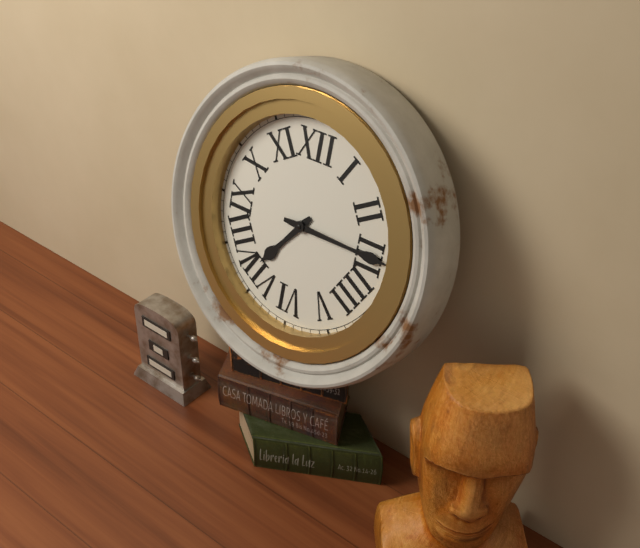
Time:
{"hour": 7, "minute": 15}
